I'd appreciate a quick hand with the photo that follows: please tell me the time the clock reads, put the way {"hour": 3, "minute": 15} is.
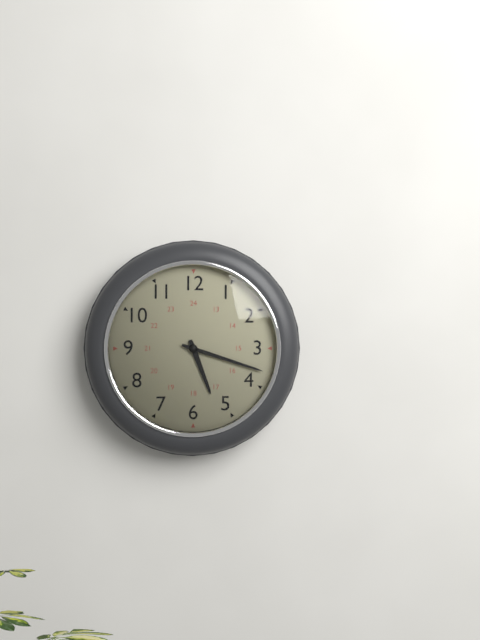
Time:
{"hour": 5, "minute": 18}
